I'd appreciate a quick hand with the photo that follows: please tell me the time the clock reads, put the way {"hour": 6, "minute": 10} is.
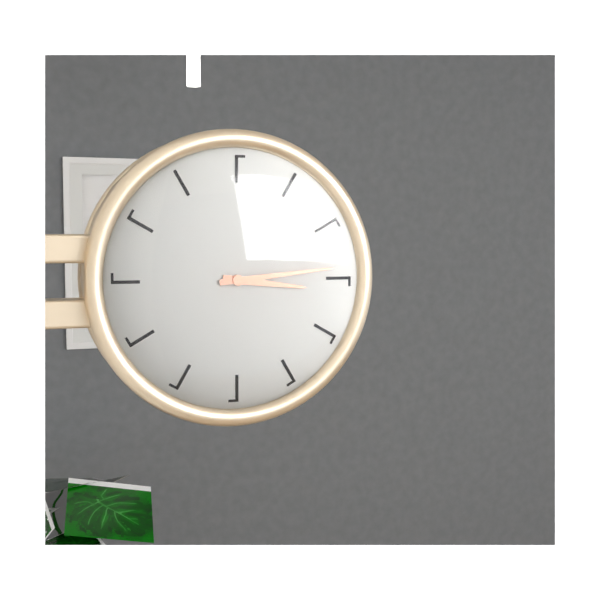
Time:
{"hour": 3, "minute": 14}
